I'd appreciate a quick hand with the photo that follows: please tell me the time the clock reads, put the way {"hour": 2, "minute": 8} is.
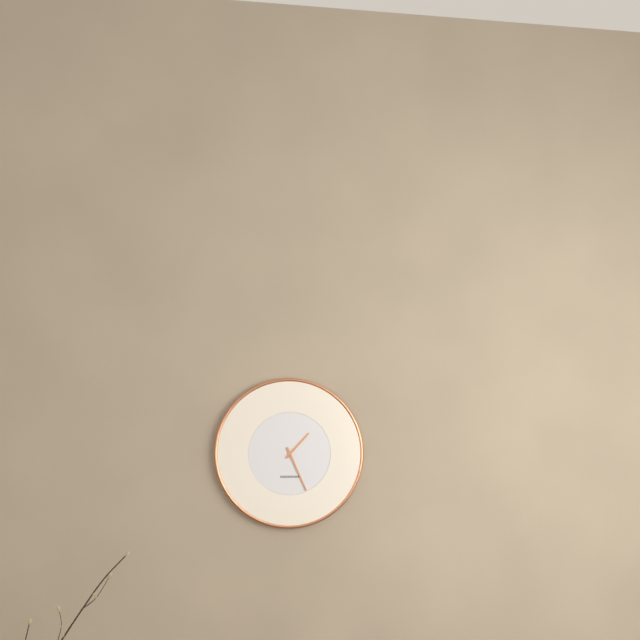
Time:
{"hour": 1, "minute": 26}
